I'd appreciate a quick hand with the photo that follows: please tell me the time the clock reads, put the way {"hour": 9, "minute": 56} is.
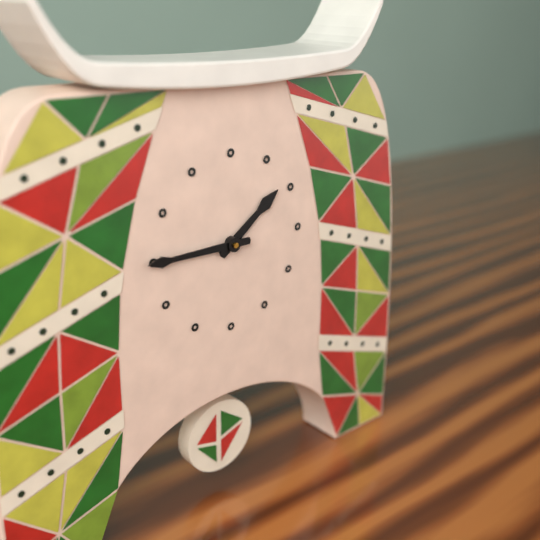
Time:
{"hour": 1, "minute": 45}
